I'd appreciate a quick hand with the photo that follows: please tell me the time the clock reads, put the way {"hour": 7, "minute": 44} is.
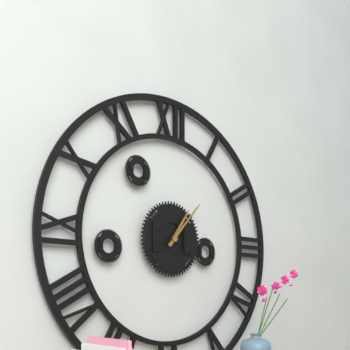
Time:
{"hour": 1, "minute": 7}
